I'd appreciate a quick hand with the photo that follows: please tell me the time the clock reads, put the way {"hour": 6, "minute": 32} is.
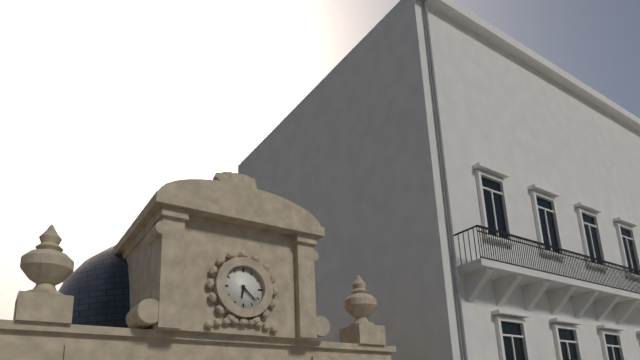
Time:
{"hour": 6, "minute": 22}
